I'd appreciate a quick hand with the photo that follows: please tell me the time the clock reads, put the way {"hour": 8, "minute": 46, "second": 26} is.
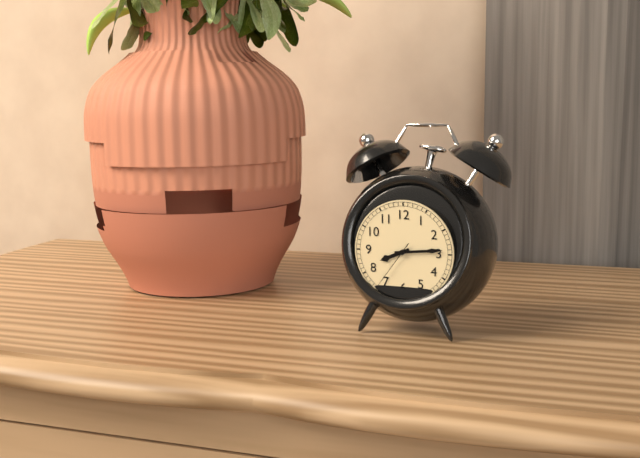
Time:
{"hour": 8, "minute": 14, "second": 36}
